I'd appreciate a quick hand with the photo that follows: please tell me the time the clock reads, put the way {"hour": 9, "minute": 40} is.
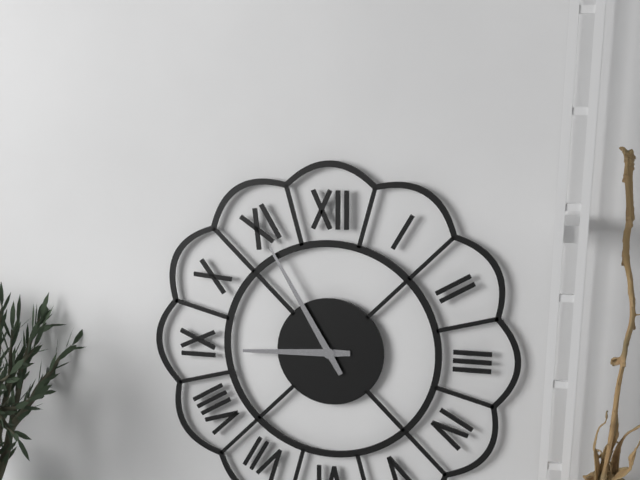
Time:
{"hour": 8, "minute": 55}
